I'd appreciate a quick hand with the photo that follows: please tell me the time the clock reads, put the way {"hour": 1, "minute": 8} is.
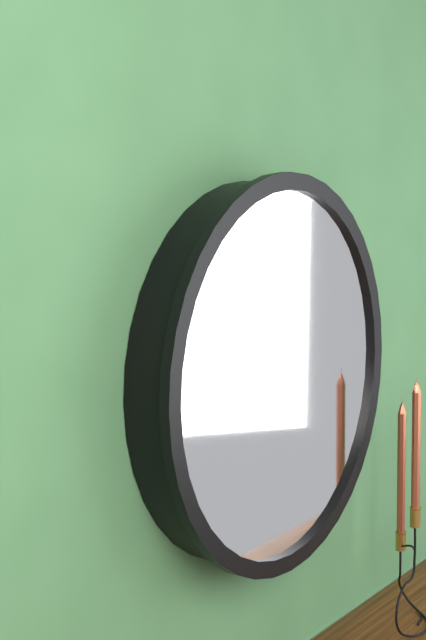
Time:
{"hour": 9, "minute": 49}
